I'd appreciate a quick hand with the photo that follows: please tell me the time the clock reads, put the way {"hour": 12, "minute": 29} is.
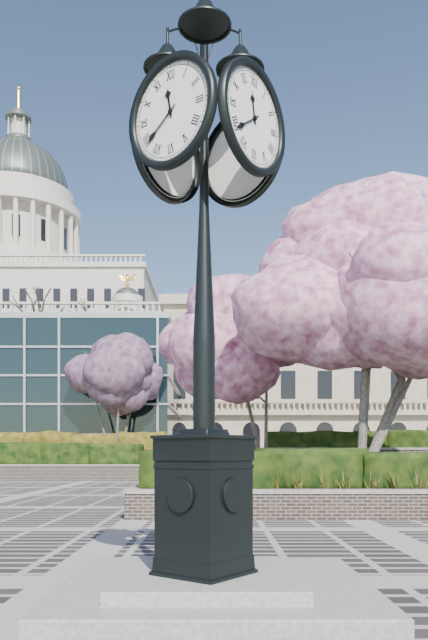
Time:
{"hour": 11, "minute": 39}
